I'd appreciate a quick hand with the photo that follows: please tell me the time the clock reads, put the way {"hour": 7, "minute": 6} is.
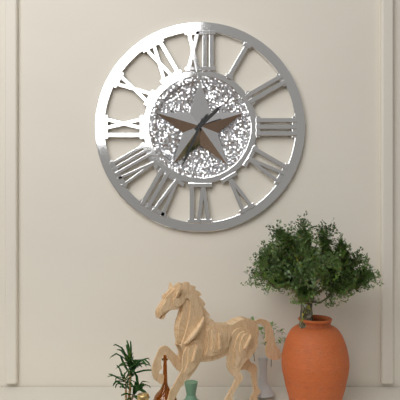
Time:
{"hour": 1, "minute": 34}
